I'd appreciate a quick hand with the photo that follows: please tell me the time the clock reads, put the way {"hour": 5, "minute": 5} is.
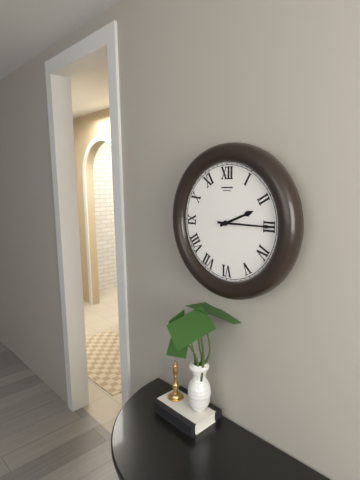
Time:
{"hour": 2, "minute": 15}
